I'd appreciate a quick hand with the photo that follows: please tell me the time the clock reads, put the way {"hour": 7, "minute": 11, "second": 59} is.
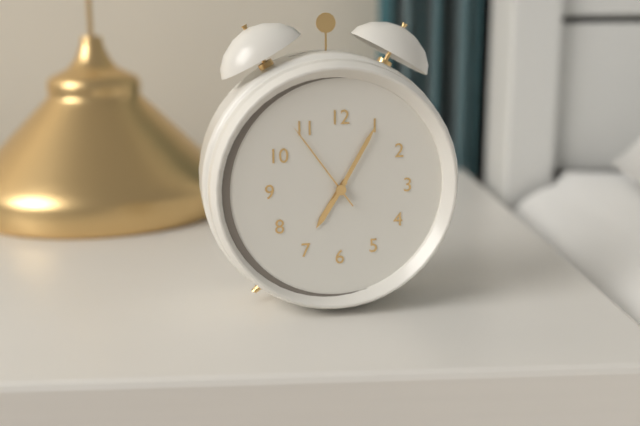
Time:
{"hour": 7, "minute": 5, "second": 54}
